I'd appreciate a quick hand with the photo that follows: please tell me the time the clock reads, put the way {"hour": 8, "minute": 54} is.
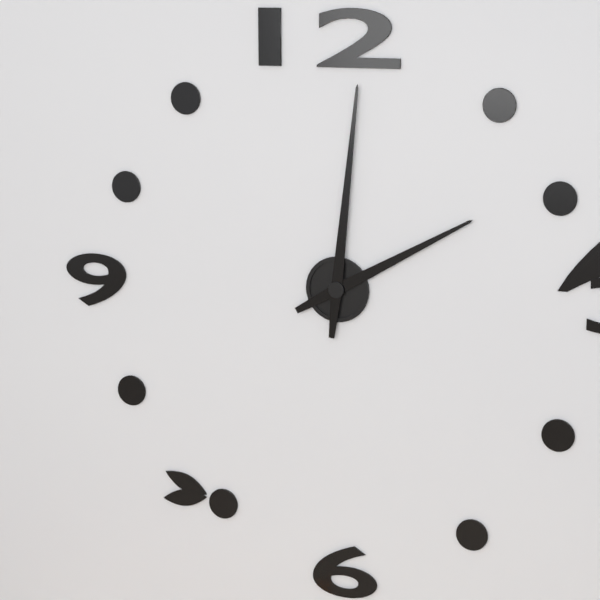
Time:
{"hour": 2, "minute": 1}
